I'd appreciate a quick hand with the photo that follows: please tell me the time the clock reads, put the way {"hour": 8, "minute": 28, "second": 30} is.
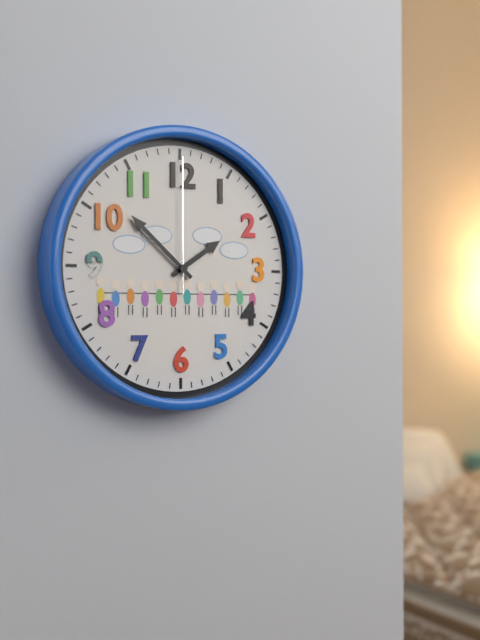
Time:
{"hour": 1, "minute": 52, "second": 0}
